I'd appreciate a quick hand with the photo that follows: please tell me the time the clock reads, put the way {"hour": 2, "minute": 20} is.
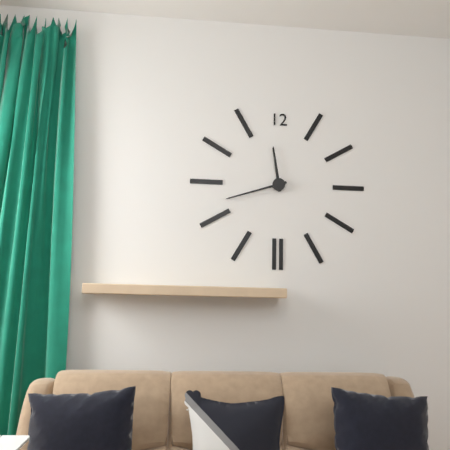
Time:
{"hour": 11, "minute": 42}
